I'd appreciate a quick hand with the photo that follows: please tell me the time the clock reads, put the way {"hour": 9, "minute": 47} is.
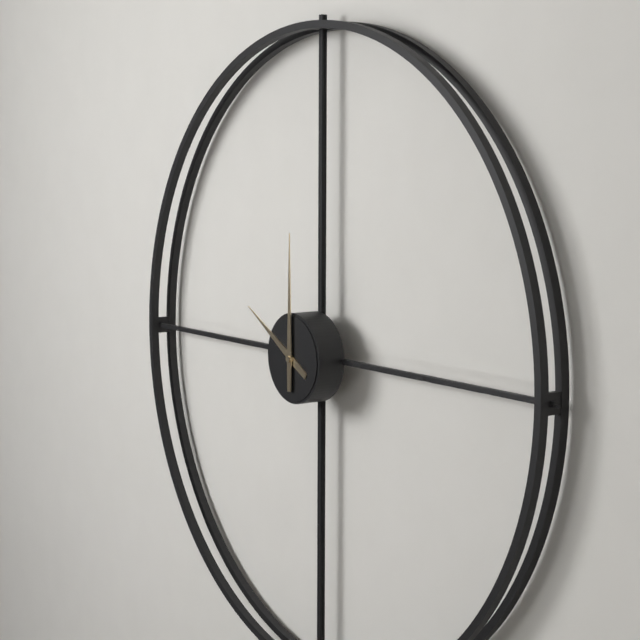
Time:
{"hour": 10, "minute": 0}
